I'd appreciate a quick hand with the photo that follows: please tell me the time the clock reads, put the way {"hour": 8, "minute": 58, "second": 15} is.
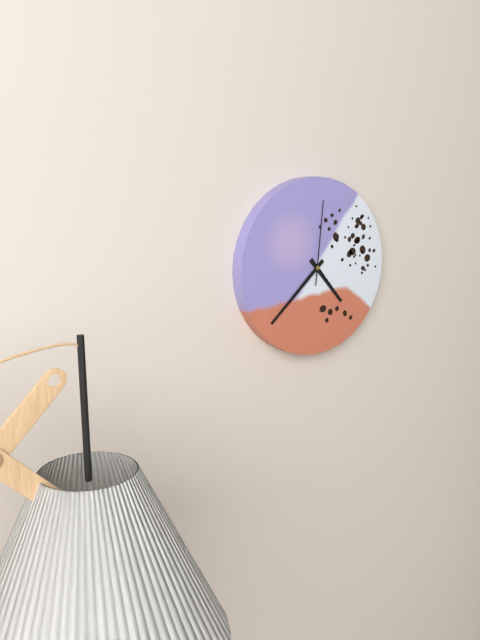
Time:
{"hour": 4, "minute": 38, "second": 1}
